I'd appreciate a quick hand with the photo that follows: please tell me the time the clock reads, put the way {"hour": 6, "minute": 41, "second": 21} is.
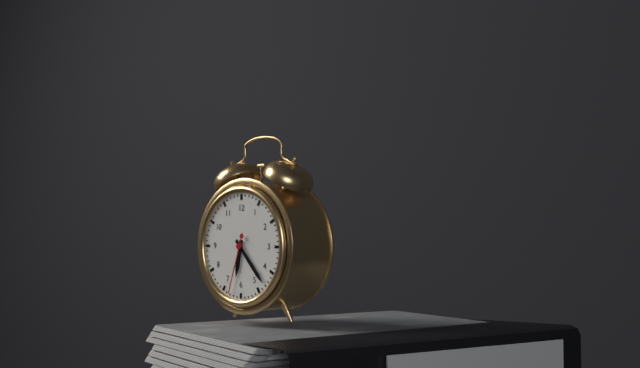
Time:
{"hour": 6, "minute": 23, "second": 33}
